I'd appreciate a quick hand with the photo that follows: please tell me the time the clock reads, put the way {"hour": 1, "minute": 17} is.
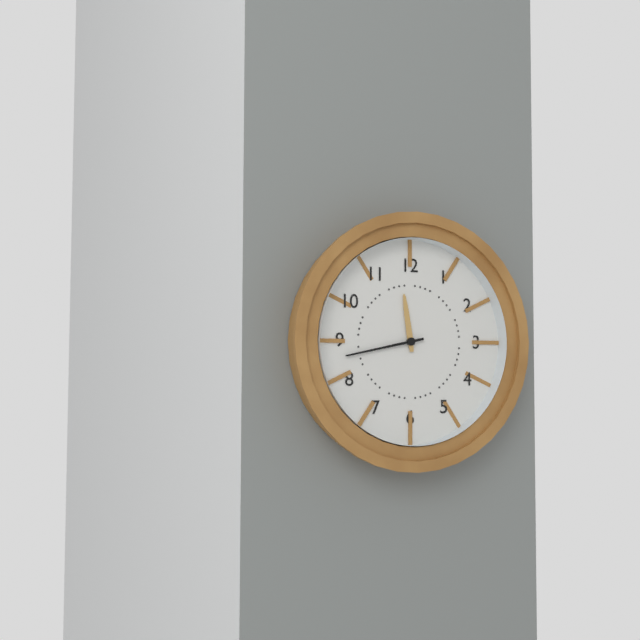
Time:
{"hour": 11, "minute": 43}
